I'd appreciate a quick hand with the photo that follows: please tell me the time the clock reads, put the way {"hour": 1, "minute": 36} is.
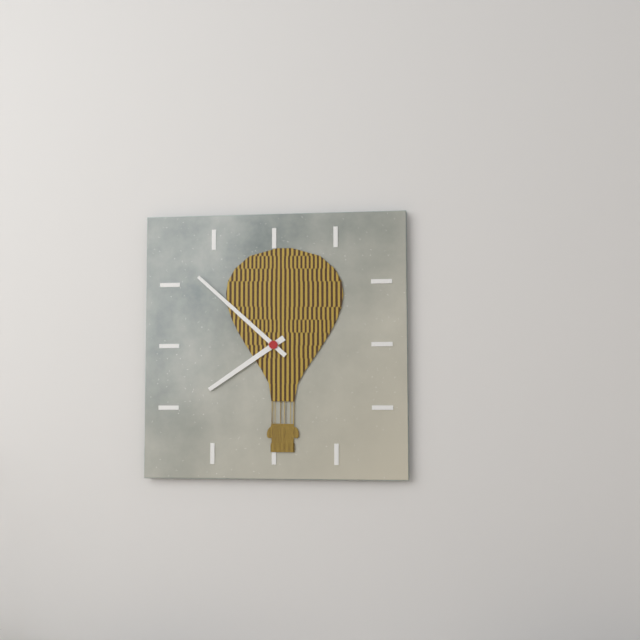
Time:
{"hour": 7, "minute": 52}
